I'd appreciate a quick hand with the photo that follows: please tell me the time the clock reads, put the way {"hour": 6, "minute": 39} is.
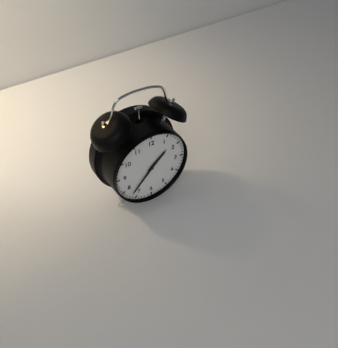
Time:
{"hour": 1, "minute": 37}
